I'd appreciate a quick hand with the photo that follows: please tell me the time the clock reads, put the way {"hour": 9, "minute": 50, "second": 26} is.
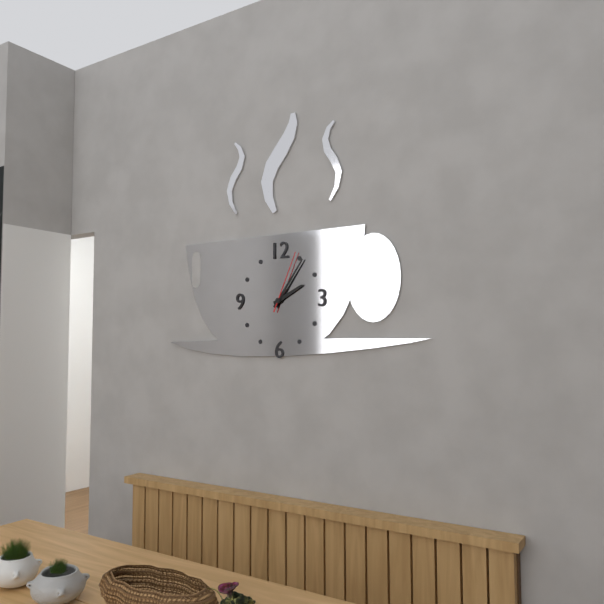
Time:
{"hour": 2, "minute": 6, "second": 4}
